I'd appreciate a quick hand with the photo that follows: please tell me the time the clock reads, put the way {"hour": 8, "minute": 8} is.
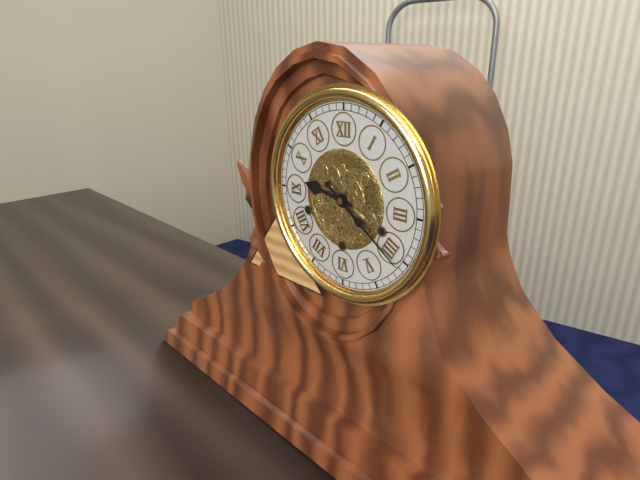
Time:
{"hour": 9, "minute": 21}
